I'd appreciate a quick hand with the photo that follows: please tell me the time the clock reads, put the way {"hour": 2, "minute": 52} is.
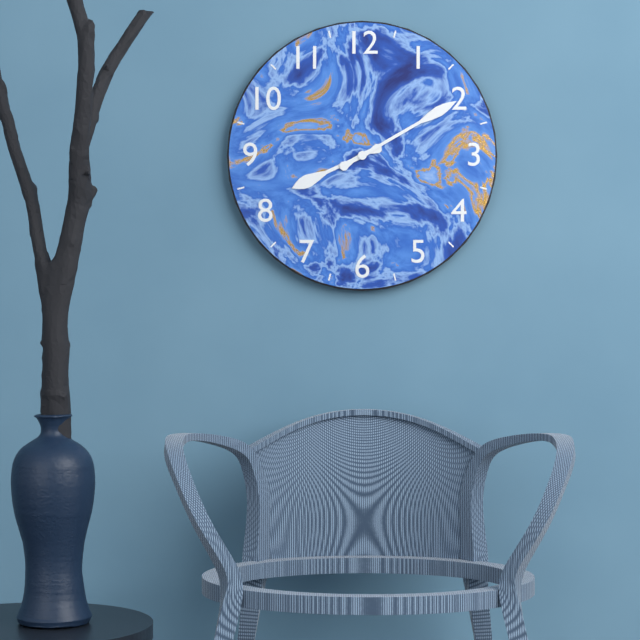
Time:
{"hour": 8, "minute": 10}
